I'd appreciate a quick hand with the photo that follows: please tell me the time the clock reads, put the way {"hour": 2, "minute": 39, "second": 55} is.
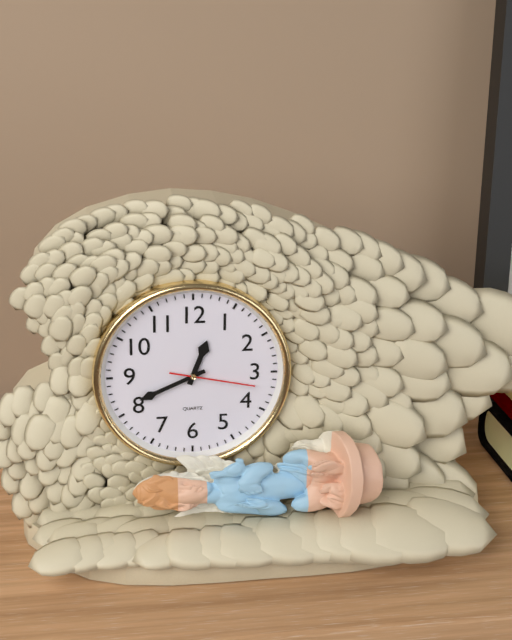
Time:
{"hour": 12, "minute": 41, "second": 17}
